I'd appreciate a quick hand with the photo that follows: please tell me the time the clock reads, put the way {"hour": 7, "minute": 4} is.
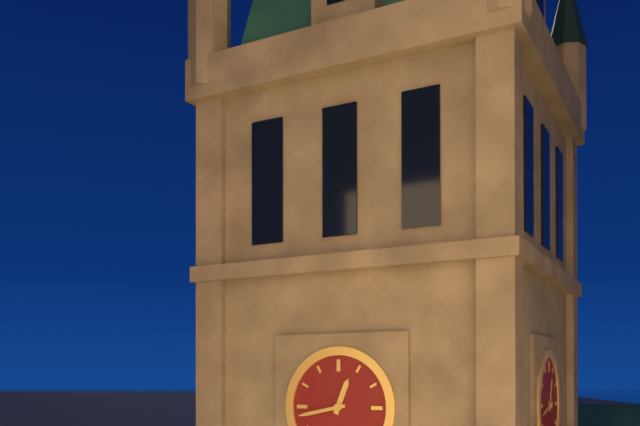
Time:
{"hour": 12, "minute": 43}
